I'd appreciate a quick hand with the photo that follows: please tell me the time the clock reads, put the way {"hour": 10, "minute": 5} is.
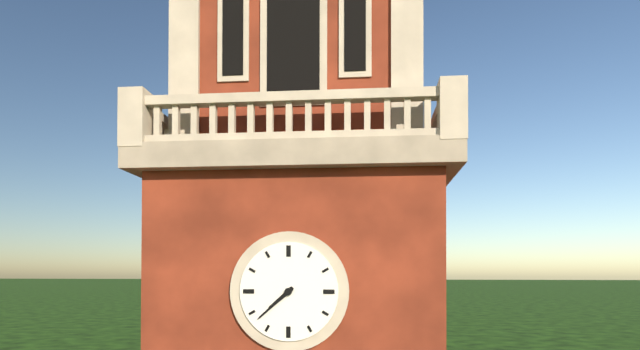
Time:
{"hour": 7, "minute": 38}
